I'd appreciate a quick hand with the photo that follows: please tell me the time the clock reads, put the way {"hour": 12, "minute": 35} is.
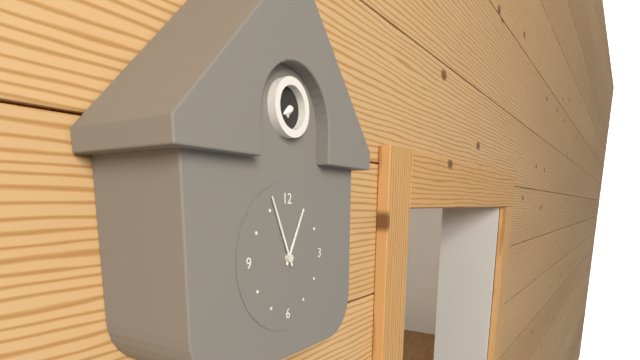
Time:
{"hour": 12, "minute": 56}
